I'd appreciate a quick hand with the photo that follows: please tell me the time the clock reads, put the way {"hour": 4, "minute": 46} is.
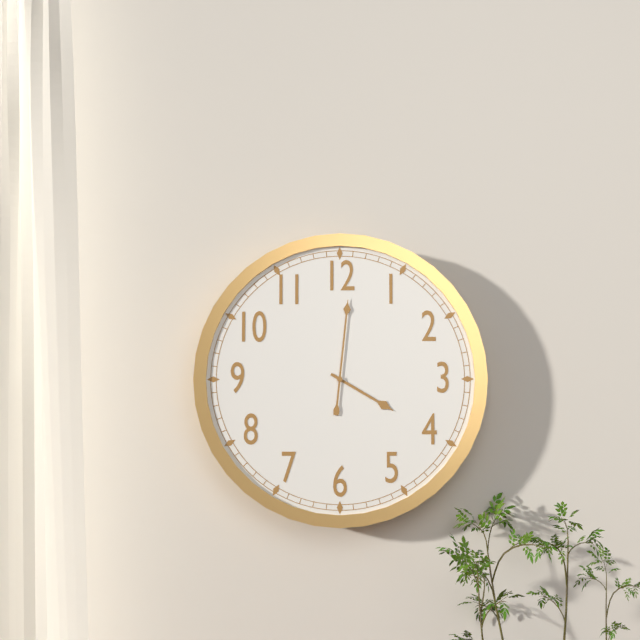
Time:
{"hour": 4, "minute": 1}
